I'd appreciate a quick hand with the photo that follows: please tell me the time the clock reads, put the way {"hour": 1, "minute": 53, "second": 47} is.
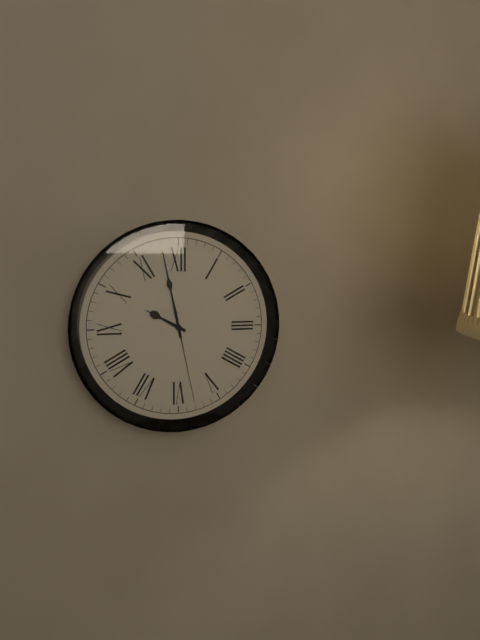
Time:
{"hour": 9, "minute": 58, "second": 28}
